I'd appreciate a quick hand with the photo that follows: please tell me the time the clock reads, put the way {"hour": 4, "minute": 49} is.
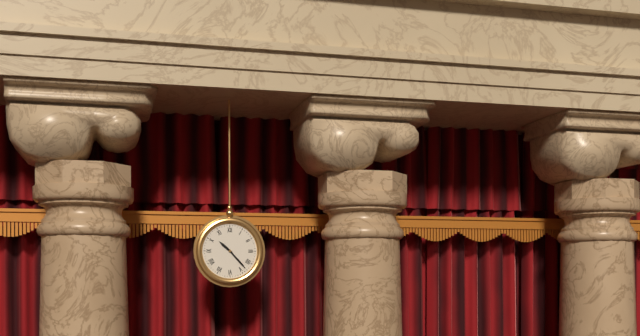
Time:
{"hour": 10, "minute": 23}
